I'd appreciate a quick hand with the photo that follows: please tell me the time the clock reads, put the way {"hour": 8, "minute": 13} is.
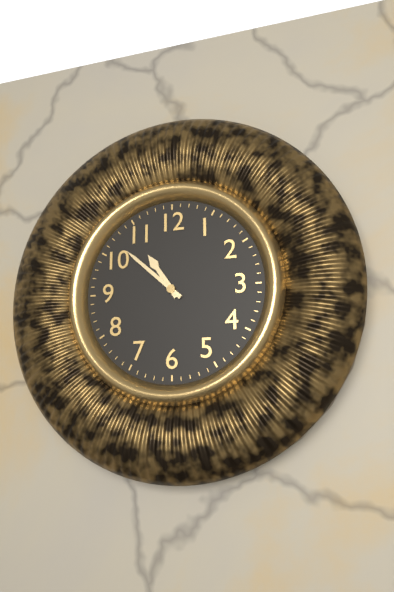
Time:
{"hour": 10, "minute": 52}
